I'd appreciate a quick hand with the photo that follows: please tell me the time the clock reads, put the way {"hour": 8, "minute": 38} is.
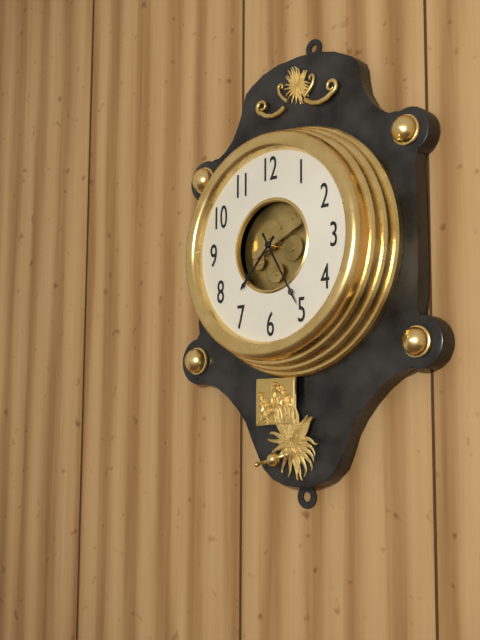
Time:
{"hour": 7, "minute": 25}
